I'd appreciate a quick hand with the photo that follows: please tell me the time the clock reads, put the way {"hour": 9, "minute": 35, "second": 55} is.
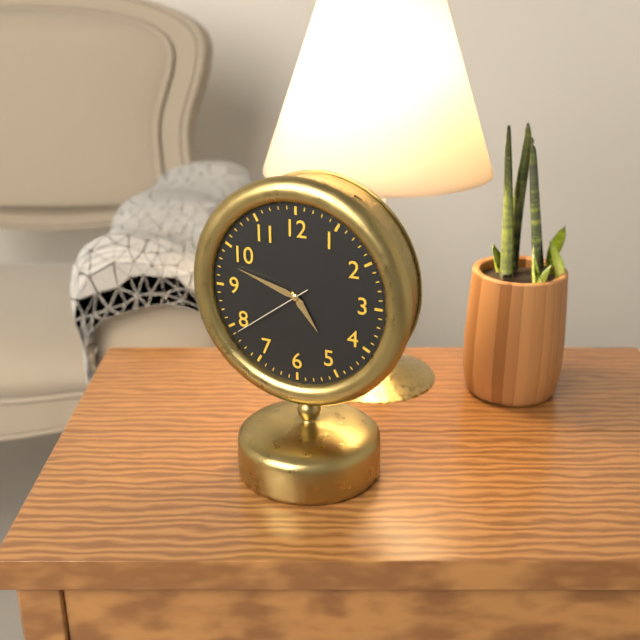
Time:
{"hour": 4, "minute": 48, "second": 39}
